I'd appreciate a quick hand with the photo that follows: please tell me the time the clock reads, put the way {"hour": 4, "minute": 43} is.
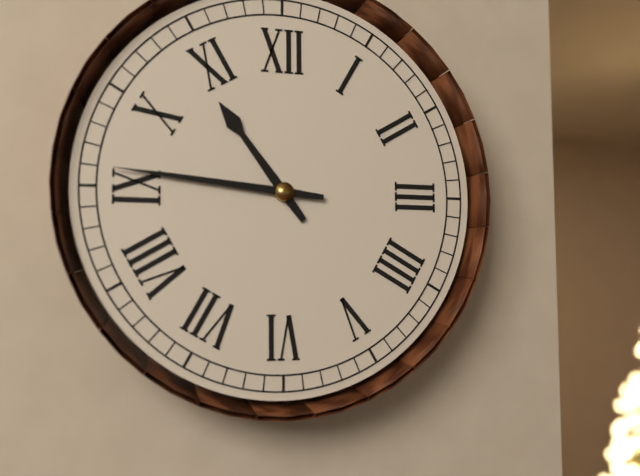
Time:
{"hour": 10, "minute": 46}
